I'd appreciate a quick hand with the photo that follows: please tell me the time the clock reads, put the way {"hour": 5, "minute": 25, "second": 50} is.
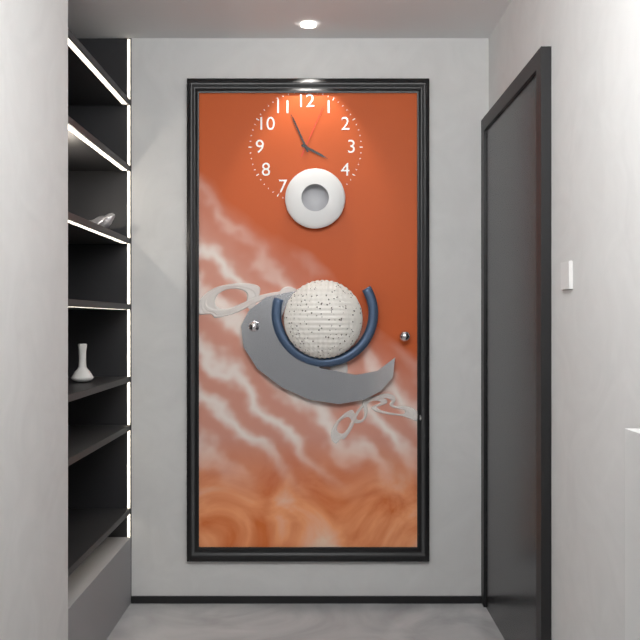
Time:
{"hour": 3, "minute": 56, "second": 4}
